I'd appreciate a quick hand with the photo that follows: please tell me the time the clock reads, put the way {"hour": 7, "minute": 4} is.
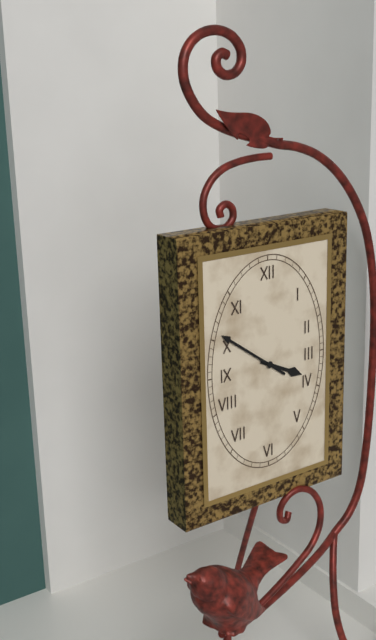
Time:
{"hour": 3, "minute": 51}
